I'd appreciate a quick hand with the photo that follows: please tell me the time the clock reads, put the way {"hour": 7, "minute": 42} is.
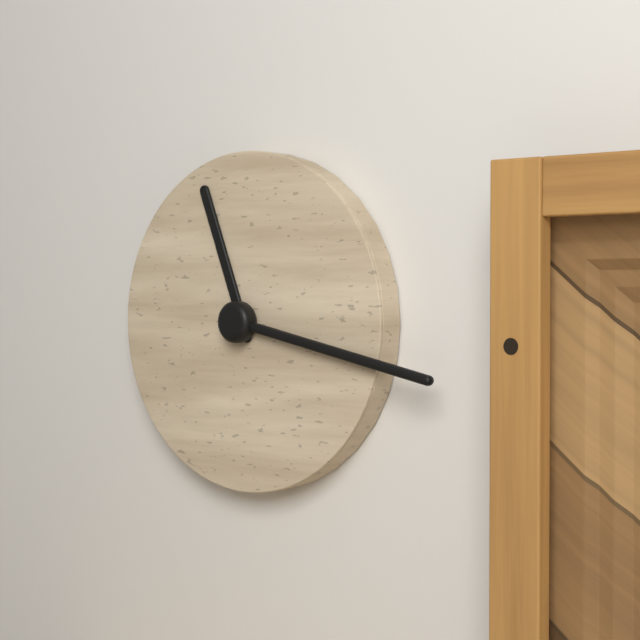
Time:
{"hour": 11, "minute": 17}
